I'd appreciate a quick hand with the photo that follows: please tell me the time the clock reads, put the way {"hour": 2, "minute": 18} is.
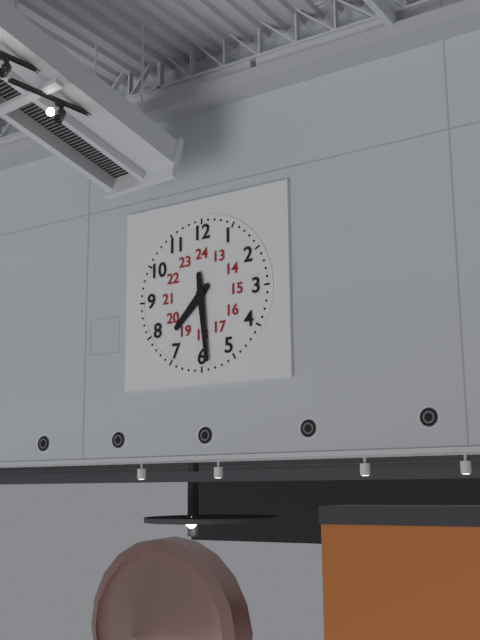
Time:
{"hour": 7, "minute": 29}
